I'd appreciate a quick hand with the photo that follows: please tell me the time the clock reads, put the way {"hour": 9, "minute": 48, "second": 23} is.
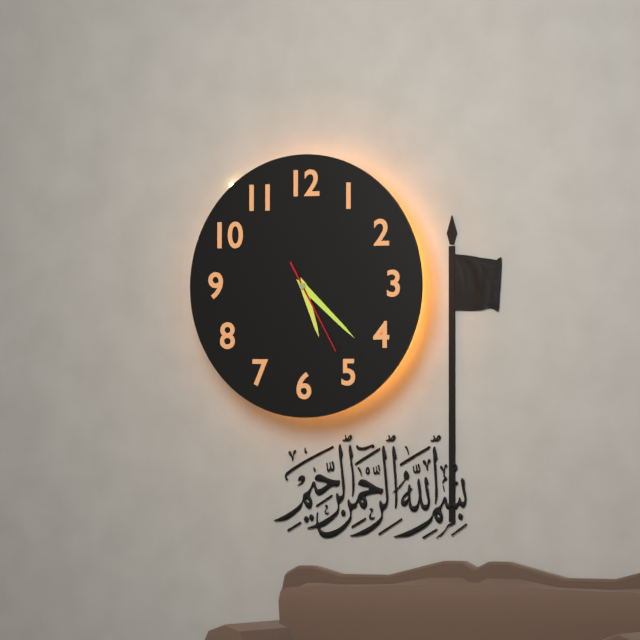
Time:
{"hour": 5, "minute": 22, "second": 25}
